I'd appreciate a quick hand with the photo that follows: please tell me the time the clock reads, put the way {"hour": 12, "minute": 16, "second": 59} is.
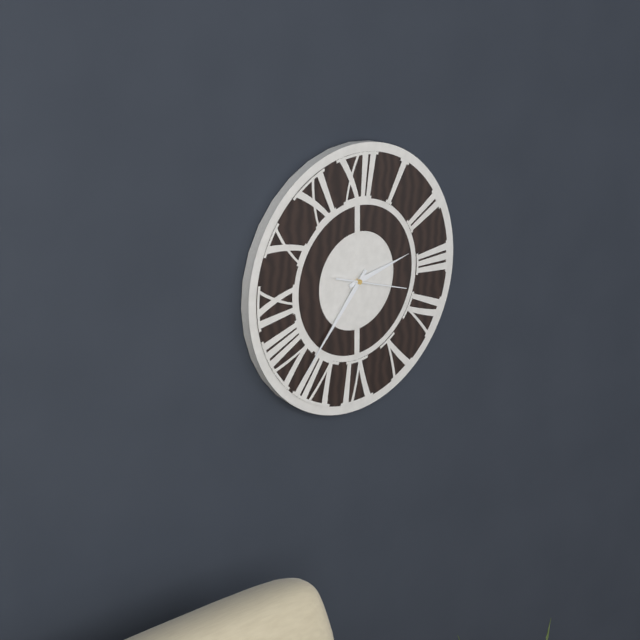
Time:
{"hour": 2, "minute": 37, "second": 18}
